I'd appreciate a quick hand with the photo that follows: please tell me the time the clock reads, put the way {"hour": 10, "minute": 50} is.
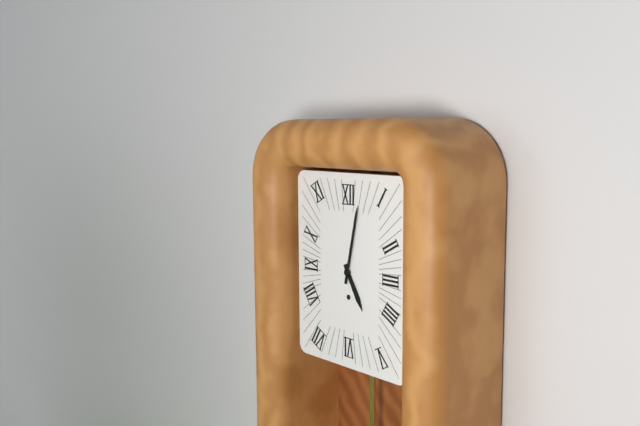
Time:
{"hour": 5, "minute": 2}
